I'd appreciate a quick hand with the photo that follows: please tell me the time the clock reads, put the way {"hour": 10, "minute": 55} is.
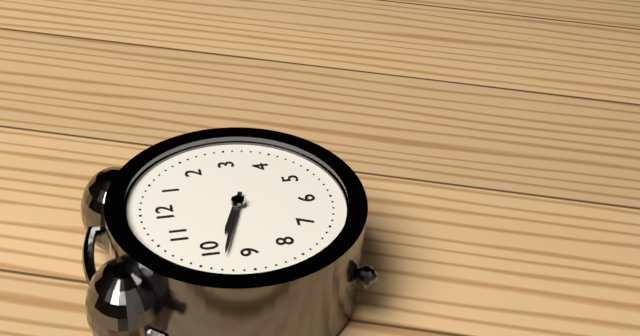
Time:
{"hour": 9, "minute": 48}
